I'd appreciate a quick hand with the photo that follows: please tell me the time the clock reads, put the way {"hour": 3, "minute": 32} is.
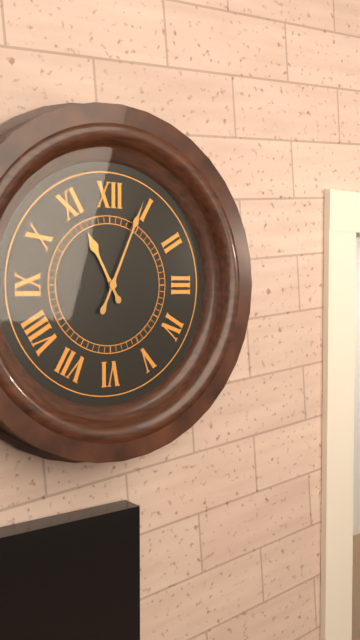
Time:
{"hour": 11, "minute": 4}
